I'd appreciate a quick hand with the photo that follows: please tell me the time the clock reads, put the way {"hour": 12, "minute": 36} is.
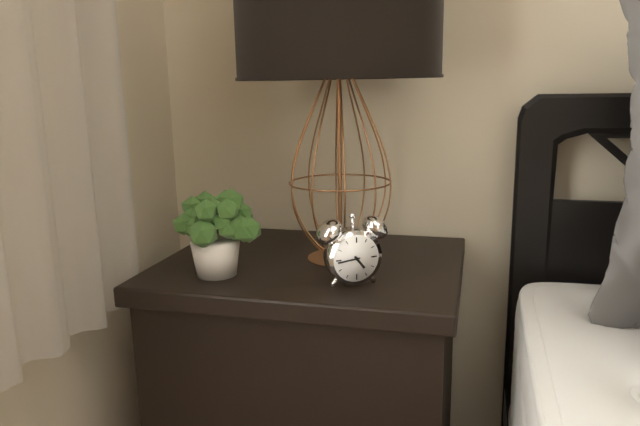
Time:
{"hour": 4, "minute": 44}
